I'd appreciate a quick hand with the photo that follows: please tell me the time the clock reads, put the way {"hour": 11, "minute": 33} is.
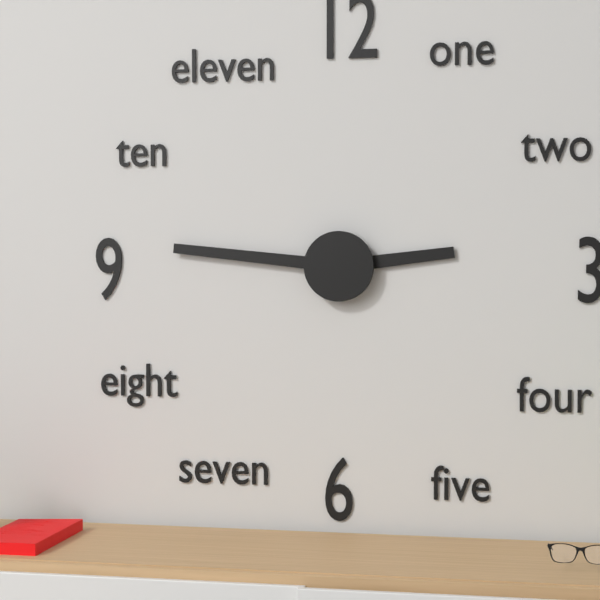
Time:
{"hour": 2, "minute": 46}
